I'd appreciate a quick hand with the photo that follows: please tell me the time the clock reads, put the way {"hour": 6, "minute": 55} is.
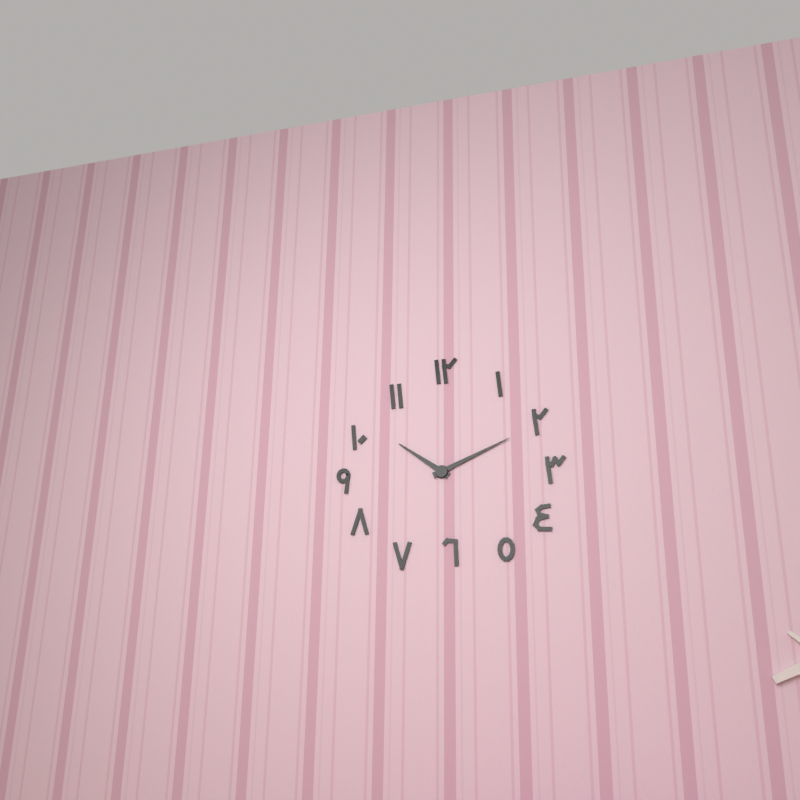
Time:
{"hour": 10, "minute": 11}
